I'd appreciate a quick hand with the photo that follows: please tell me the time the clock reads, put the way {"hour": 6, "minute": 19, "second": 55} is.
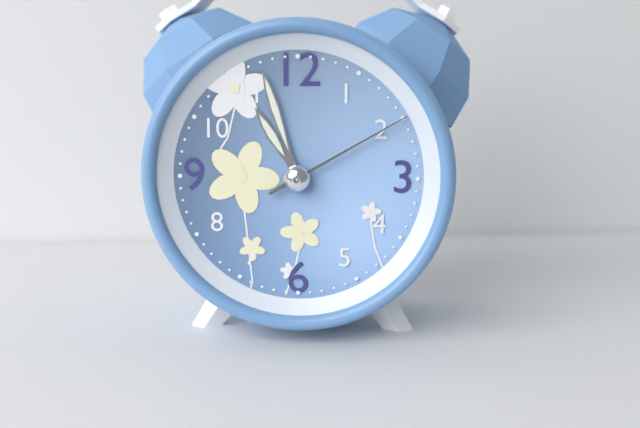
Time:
{"hour": 10, "minute": 57, "second": 10}
